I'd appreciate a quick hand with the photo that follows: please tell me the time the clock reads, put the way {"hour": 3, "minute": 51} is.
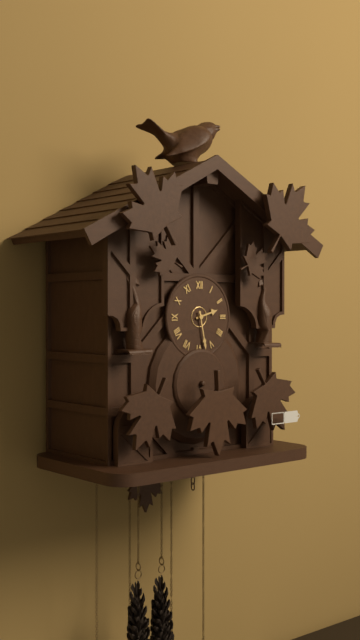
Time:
{"hour": 2, "minute": 28}
